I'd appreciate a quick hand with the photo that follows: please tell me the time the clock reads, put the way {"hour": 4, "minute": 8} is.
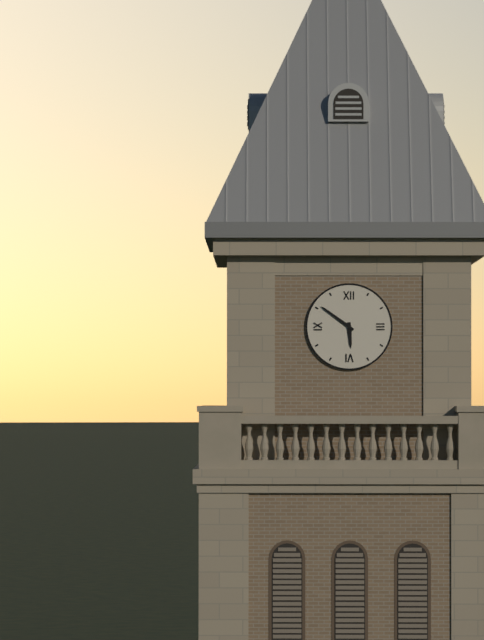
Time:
{"hour": 5, "minute": 51}
